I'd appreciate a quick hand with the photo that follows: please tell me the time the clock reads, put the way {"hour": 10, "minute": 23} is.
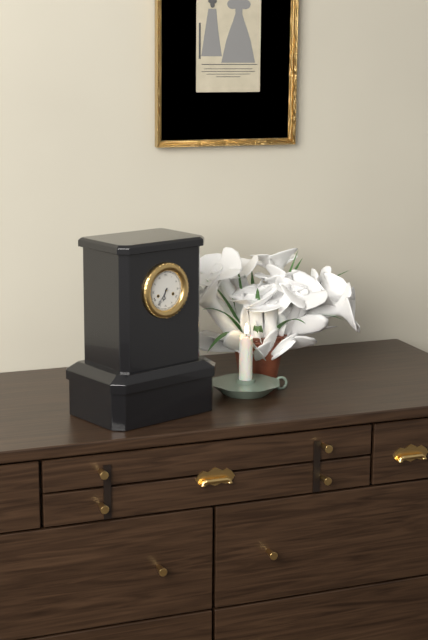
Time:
{"hour": 6, "minute": 36}
